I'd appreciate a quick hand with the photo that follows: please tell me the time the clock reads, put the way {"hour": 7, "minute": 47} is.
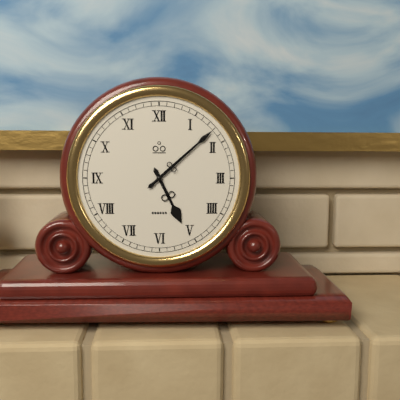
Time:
{"hour": 5, "minute": 8}
